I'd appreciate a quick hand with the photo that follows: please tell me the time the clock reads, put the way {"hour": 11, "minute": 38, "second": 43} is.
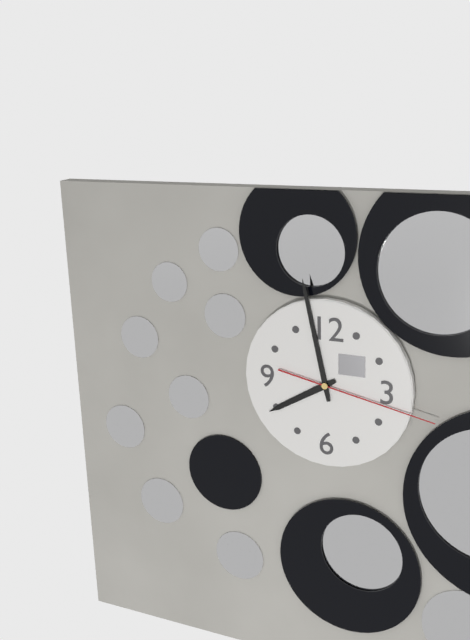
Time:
{"hour": 7, "minute": 58, "second": 17}
